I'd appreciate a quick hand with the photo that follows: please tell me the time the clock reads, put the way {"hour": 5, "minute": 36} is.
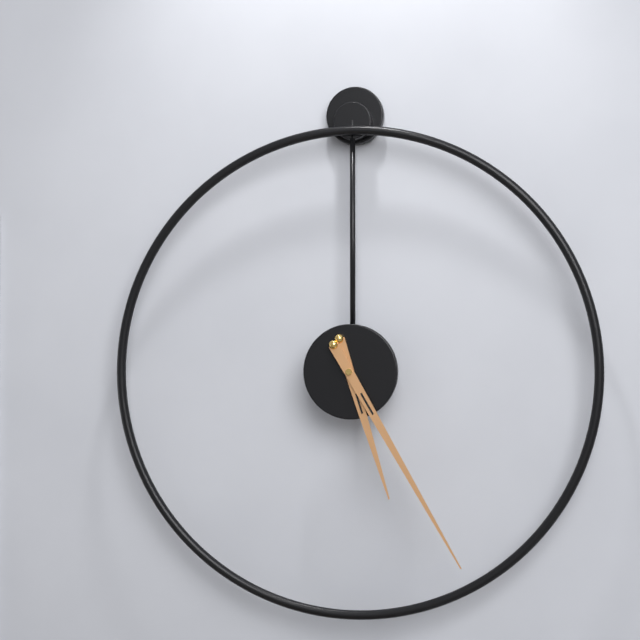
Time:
{"hour": 5, "minute": 25}
